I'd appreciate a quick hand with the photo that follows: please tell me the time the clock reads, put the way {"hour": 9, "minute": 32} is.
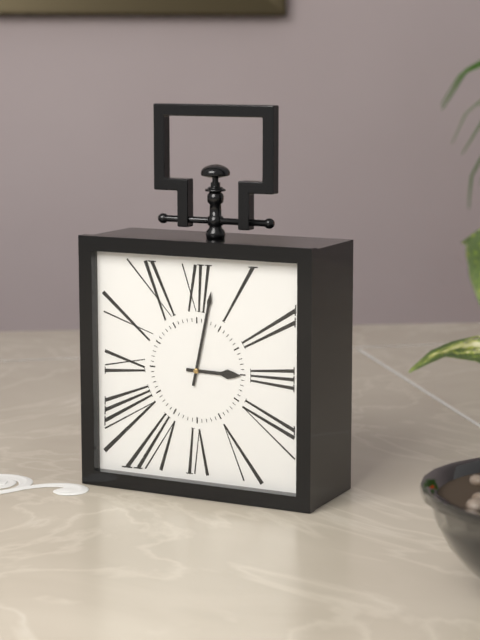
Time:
{"hour": 3, "minute": 2}
